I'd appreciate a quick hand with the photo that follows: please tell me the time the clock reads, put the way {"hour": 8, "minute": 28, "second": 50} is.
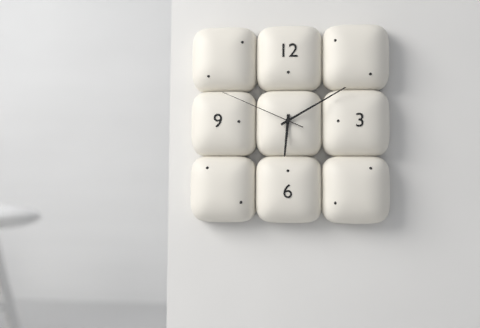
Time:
{"hour": 6, "minute": 10, "second": 49}
